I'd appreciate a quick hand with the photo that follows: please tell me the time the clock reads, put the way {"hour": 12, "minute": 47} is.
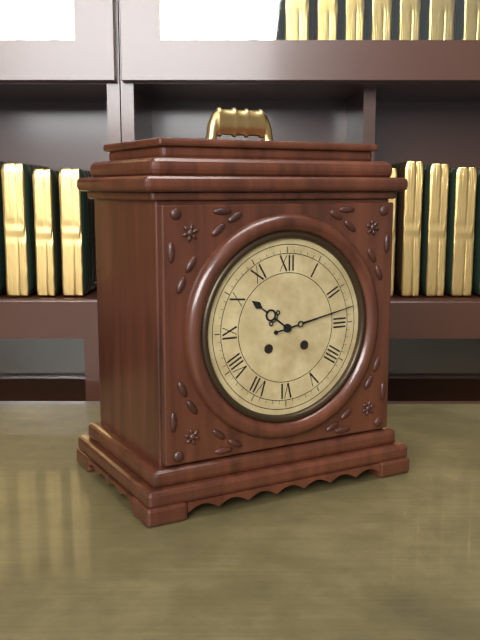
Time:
{"hour": 10, "minute": 13}
